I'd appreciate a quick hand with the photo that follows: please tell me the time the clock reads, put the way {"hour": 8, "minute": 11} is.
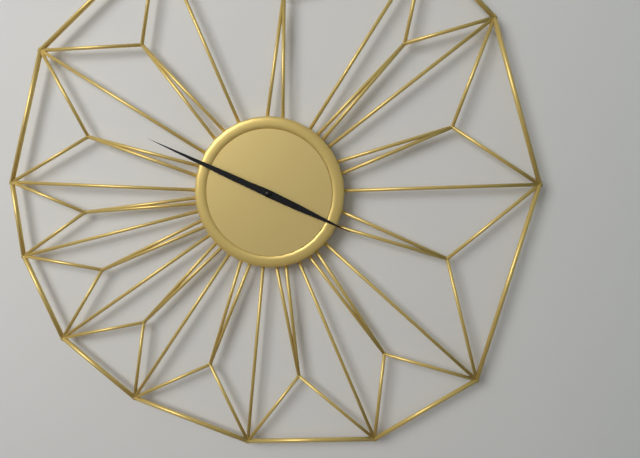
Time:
{"hour": 3, "minute": 49}
